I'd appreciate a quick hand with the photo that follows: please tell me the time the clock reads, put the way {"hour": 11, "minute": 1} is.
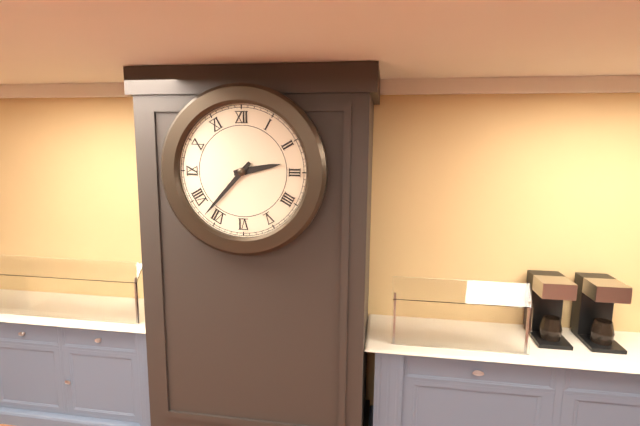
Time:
{"hour": 2, "minute": 37}
